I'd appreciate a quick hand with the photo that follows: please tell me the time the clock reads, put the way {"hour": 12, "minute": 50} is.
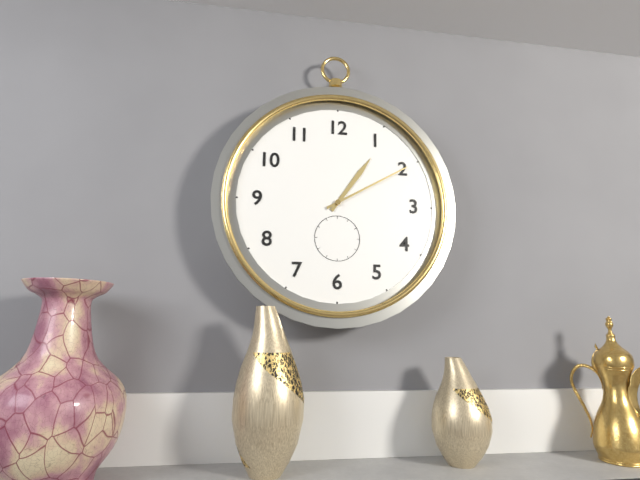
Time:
{"hour": 1, "minute": 10}
